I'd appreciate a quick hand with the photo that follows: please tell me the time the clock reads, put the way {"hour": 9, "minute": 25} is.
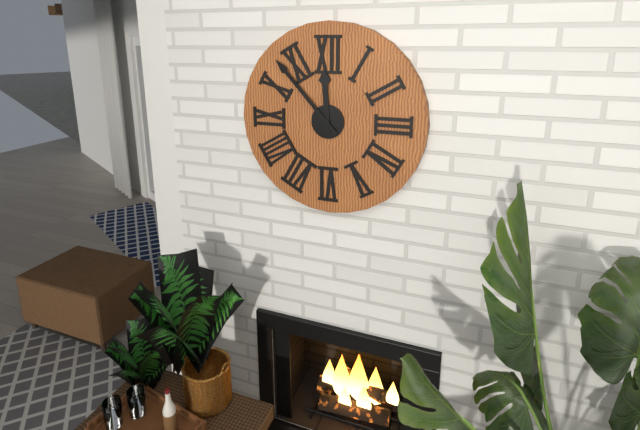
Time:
{"hour": 11, "minute": 53}
